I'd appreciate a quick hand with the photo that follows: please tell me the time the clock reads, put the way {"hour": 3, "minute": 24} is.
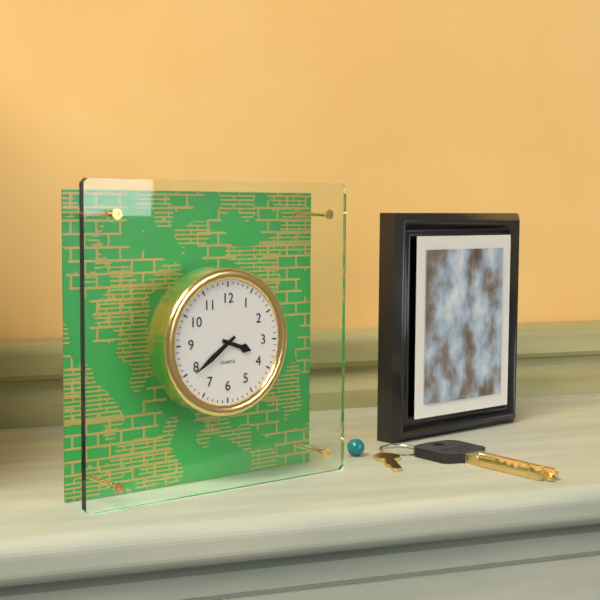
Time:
{"hour": 3, "minute": 39}
